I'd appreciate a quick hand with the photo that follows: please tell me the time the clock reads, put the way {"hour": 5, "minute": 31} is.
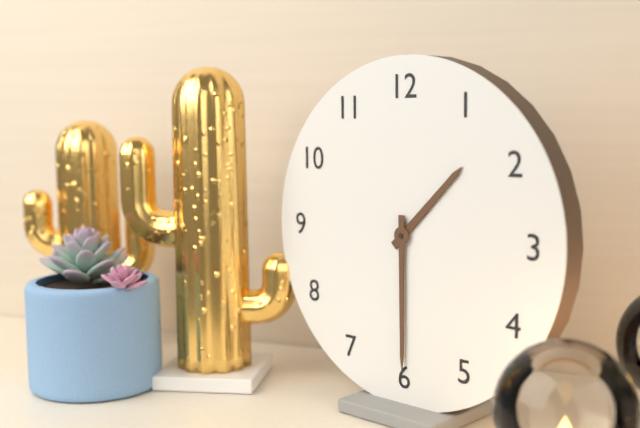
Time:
{"hour": 1, "minute": 30}
